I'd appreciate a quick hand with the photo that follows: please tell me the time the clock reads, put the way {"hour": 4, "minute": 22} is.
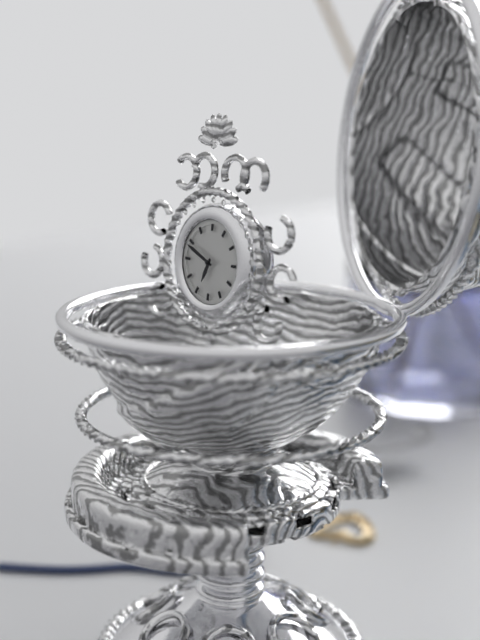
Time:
{"hour": 6, "minute": 49}
